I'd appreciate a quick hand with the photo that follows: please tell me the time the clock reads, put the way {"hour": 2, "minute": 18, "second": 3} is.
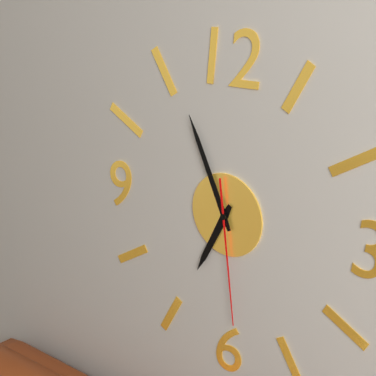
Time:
{"hour": 6, "minute": 56, "second": 29}
